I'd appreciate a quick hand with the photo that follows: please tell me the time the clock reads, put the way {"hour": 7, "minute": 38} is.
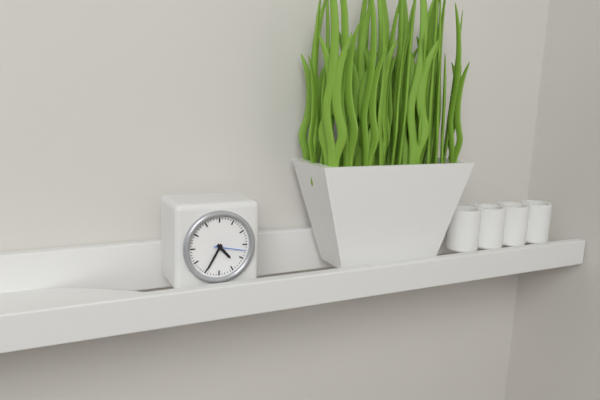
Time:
{"hour": 4, "minute": 35}
